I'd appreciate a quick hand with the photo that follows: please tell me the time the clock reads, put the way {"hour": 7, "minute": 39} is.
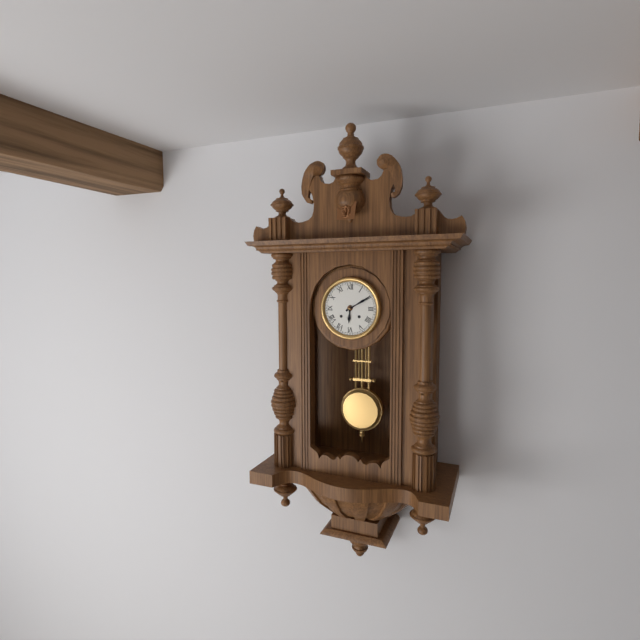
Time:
{"hour": 6, "minute": 10}
